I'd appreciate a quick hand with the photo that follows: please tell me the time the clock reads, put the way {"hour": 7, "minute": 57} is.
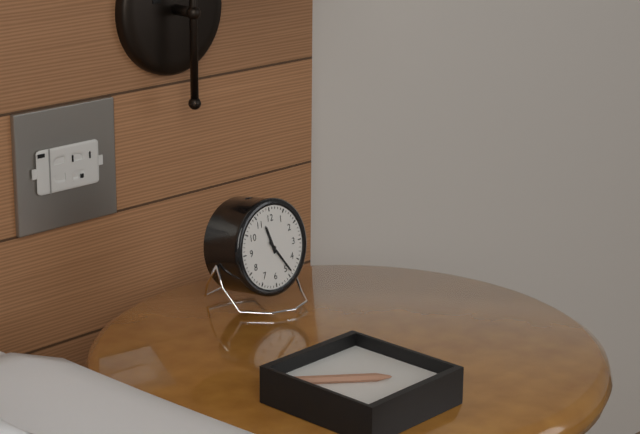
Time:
{"hour": 11, "minute": 24}
